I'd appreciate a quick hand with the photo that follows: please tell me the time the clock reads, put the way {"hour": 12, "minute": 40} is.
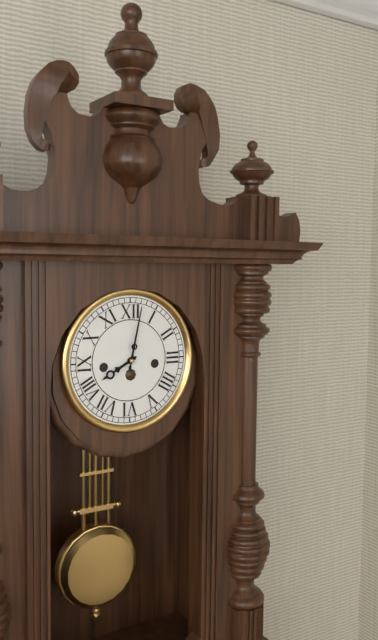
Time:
{"hour": 8, "minute": 2}
